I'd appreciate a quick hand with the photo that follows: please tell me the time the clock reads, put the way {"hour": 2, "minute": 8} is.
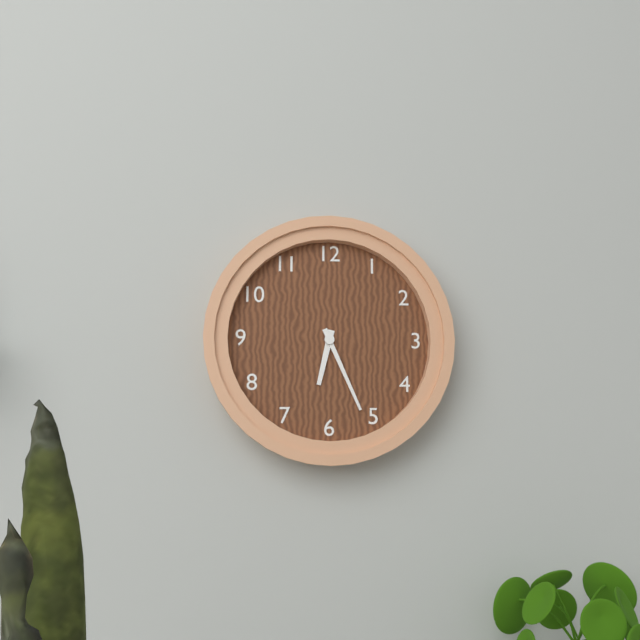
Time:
{"hour": 6, "minute": 26}
